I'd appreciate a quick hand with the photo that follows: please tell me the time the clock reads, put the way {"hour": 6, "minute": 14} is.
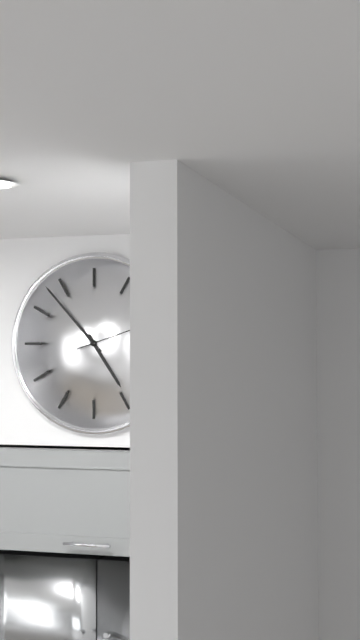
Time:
{"hour": 4, "minute": 53}
